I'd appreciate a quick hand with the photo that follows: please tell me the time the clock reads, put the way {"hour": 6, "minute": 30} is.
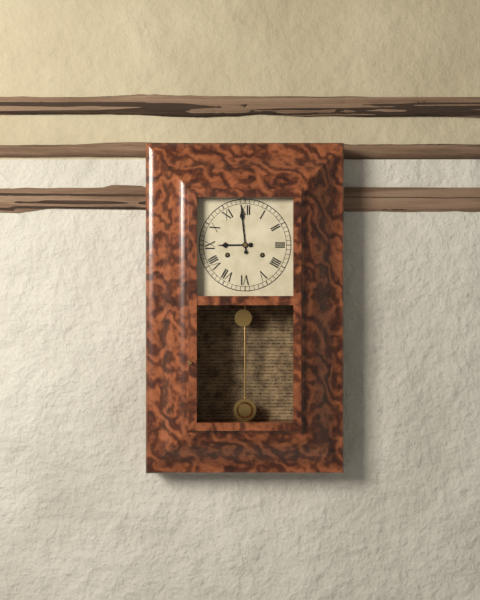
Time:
{"hour": 8, "minute": 59}
